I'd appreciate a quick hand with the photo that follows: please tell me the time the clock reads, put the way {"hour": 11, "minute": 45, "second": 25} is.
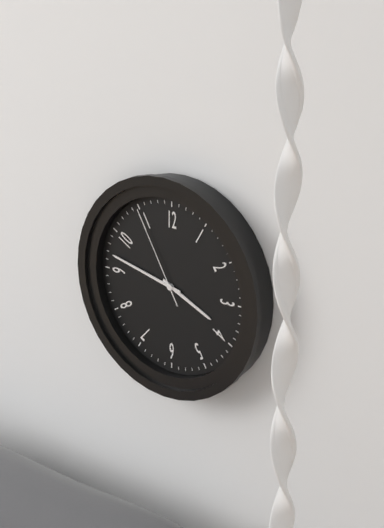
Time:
{"hour": 3, "minute": 47, "second": 55}
